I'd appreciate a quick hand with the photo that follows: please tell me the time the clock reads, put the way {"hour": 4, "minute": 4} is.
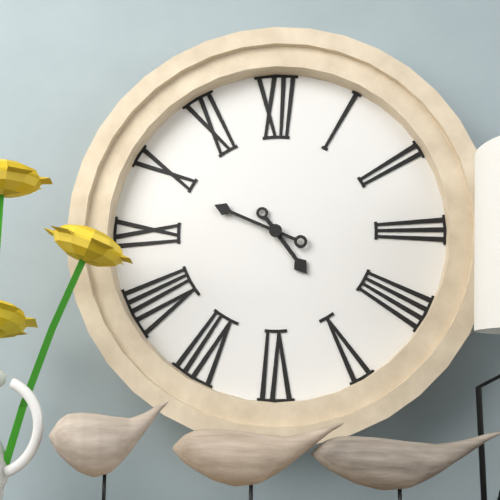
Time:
{"hour": 4, "minute": 49}
